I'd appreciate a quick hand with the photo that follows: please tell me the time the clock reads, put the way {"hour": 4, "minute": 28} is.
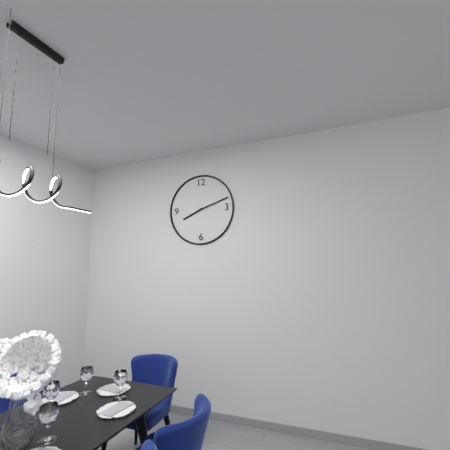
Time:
{"hour": 8, "minute": 12}
